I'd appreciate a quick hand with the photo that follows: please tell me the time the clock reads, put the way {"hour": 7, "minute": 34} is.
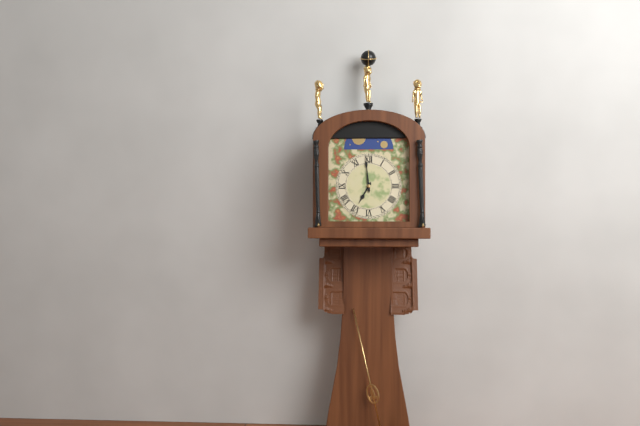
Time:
{"hour": 6, "minute": 59}
